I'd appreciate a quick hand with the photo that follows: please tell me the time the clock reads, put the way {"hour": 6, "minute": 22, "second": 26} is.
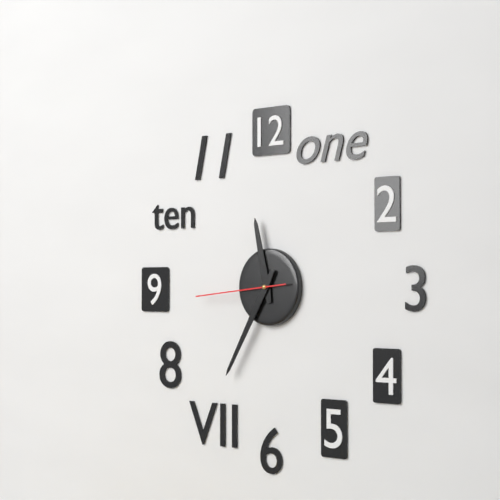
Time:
{"hour": 11, "minute": 35, "second": 44}
